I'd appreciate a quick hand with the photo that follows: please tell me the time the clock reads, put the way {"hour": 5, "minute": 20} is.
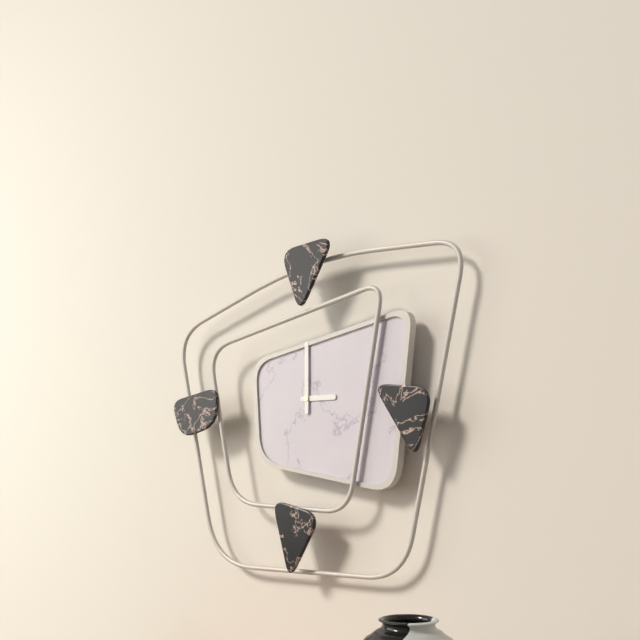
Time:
{"hour": 3, "minute": 0}
